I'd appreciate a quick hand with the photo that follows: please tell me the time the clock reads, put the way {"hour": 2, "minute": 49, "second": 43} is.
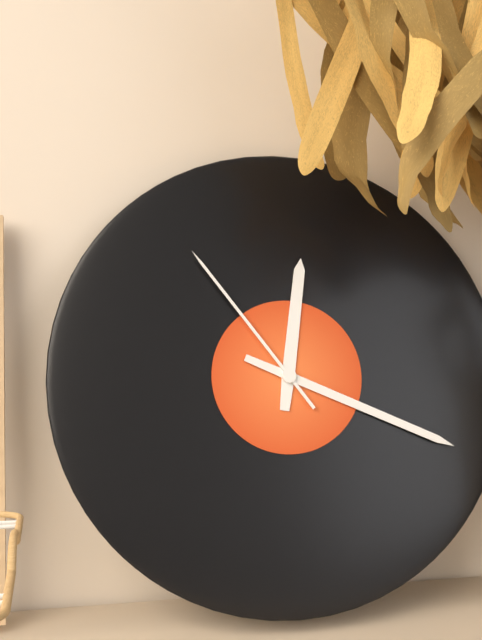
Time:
{"hour": 12, "minute": 19, "second": 54}
